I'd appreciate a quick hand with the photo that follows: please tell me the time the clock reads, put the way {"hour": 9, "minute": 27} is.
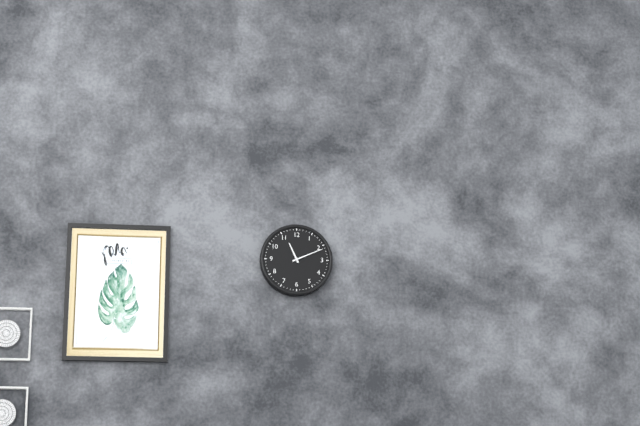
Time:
{"hour": 11, "minute": 11}
